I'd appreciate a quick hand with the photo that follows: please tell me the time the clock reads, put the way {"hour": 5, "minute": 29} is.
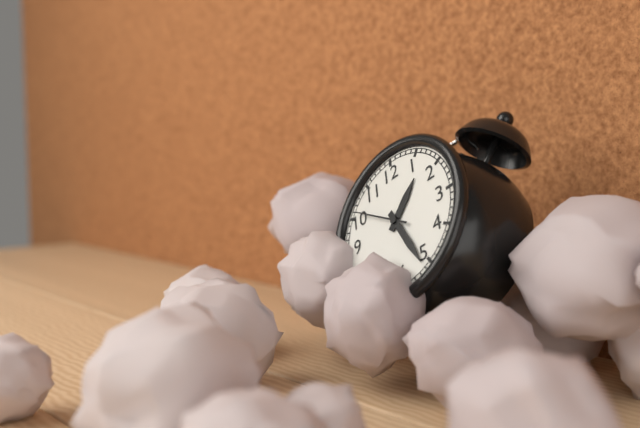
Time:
{"hour": 1, "minute": 26}
